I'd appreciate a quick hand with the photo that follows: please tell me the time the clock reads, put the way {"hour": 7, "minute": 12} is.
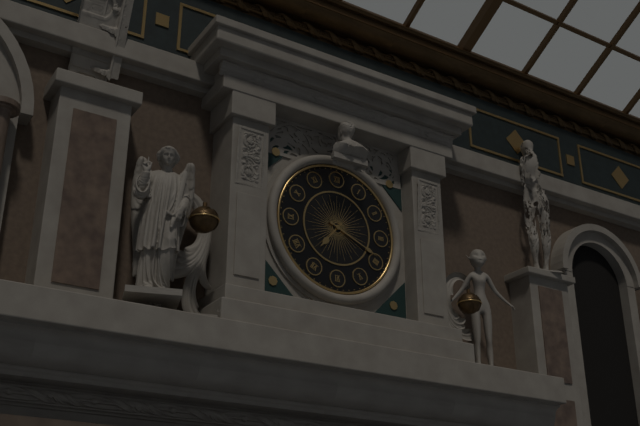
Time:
{"hour": 7, "minute": 19}
